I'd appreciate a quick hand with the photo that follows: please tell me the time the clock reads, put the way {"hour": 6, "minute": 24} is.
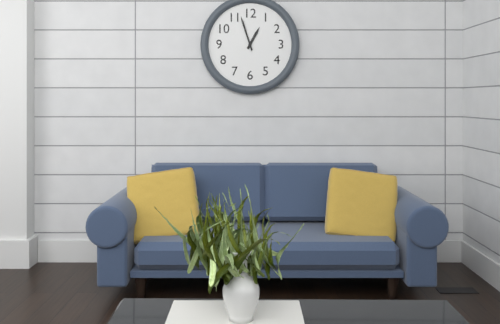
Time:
{"hour": 12, "minute": 57}
